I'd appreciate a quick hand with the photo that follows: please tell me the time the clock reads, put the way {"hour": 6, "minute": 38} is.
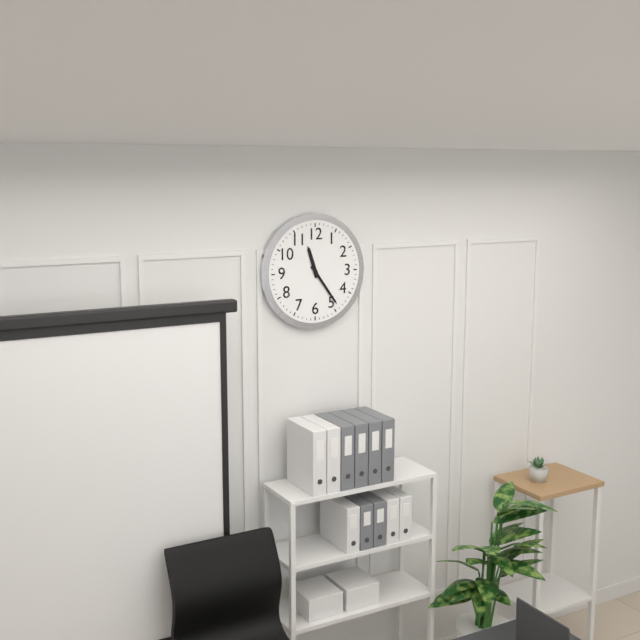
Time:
{"hour": 11, "minute": 24}
